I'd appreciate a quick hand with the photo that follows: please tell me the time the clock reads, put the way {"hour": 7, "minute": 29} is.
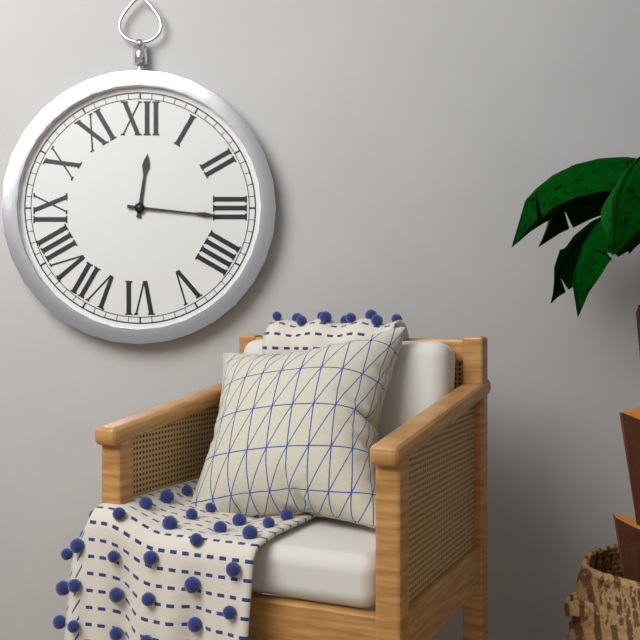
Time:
{"hour": 12, "minute": 16}
